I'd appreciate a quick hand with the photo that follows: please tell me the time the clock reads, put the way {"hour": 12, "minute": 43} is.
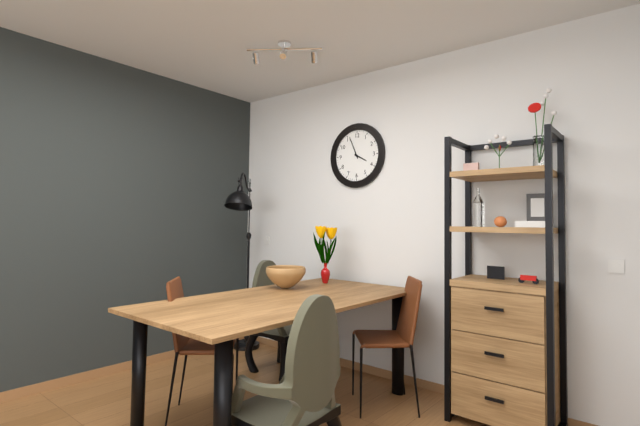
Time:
{"hour": 3, "minute": 56}
